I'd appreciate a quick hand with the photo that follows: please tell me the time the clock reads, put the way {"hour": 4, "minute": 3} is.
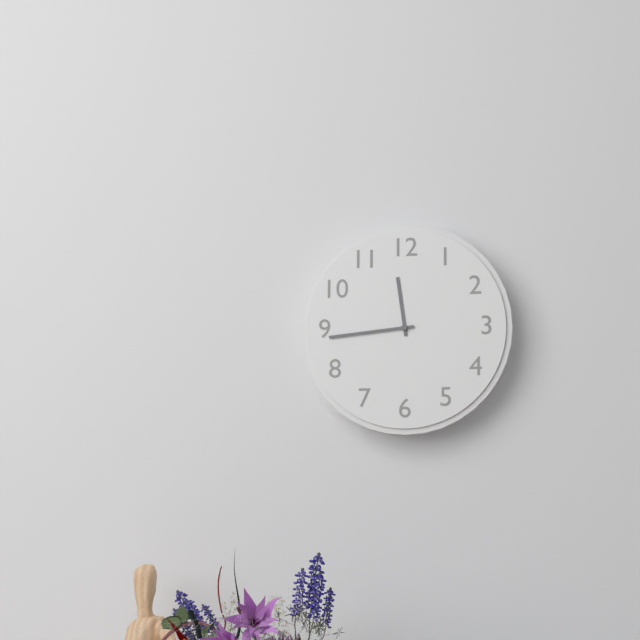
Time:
{"hour": 11, "minute": 44}
